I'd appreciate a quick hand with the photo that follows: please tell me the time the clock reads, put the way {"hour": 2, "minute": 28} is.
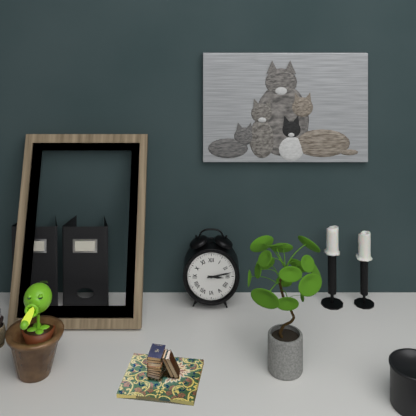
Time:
{"hour": 3, "minute": 13}
